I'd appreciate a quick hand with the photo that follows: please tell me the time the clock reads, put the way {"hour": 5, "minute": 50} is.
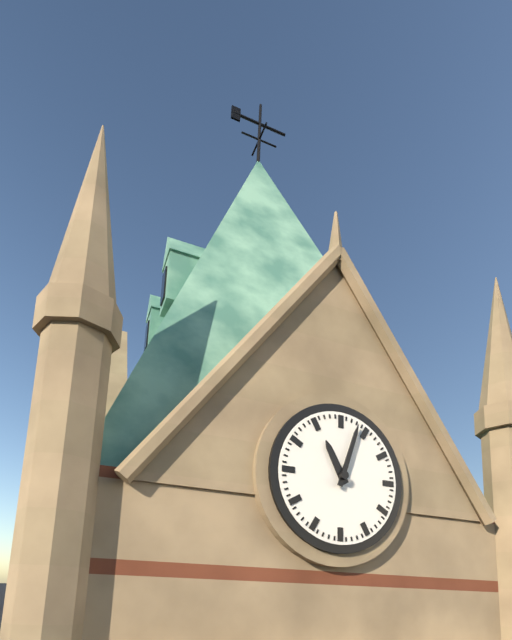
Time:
{"hour": 11, "minute": 3}
